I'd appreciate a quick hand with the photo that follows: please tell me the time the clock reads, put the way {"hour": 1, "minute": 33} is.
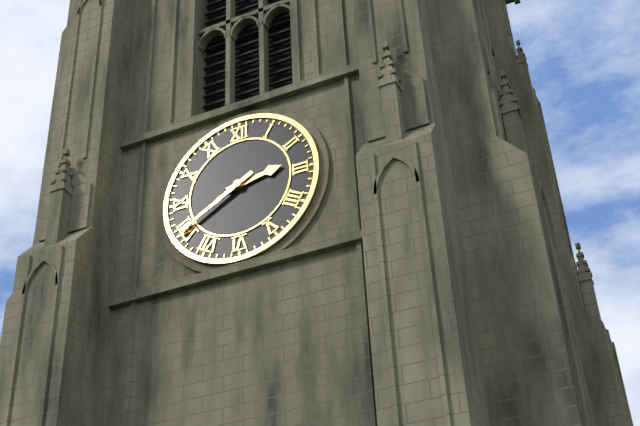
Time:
{"hour": 2, "minute": 40}
